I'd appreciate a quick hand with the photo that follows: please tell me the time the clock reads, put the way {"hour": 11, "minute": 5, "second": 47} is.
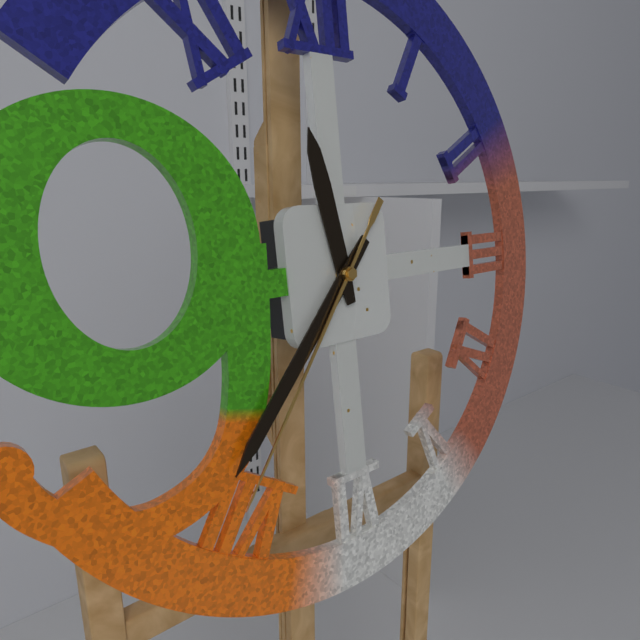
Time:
{"hour": 11, "minute": 37, "second": 36}
